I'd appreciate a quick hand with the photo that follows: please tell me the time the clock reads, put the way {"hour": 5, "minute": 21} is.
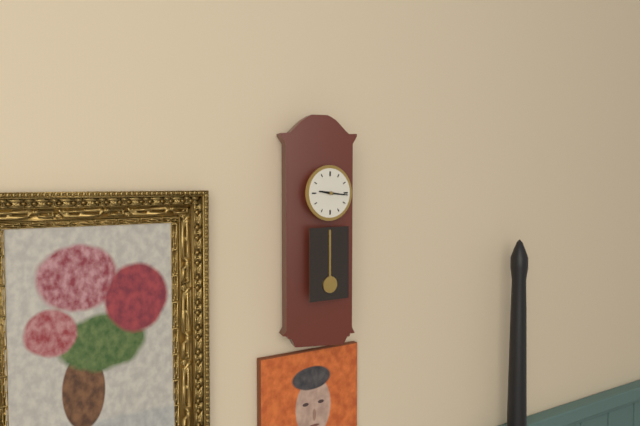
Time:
{"hour": 9, "minute": 16}
